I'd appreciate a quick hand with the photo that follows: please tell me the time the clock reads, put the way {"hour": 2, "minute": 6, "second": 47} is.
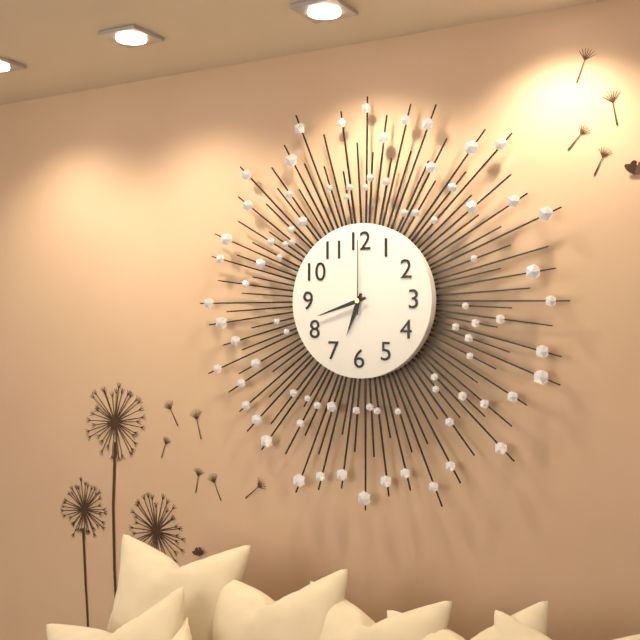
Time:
{"hour": 6, "minute": 42, "second": 0}
